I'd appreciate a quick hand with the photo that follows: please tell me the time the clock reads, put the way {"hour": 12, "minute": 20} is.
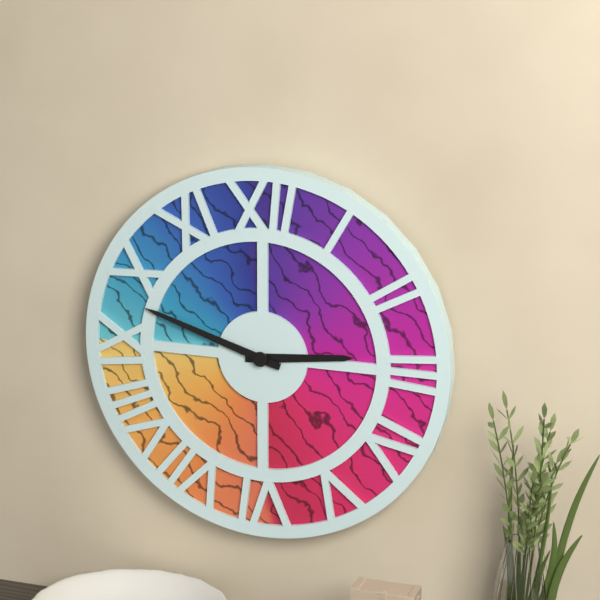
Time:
{"hour": 2, "minute": 48}
